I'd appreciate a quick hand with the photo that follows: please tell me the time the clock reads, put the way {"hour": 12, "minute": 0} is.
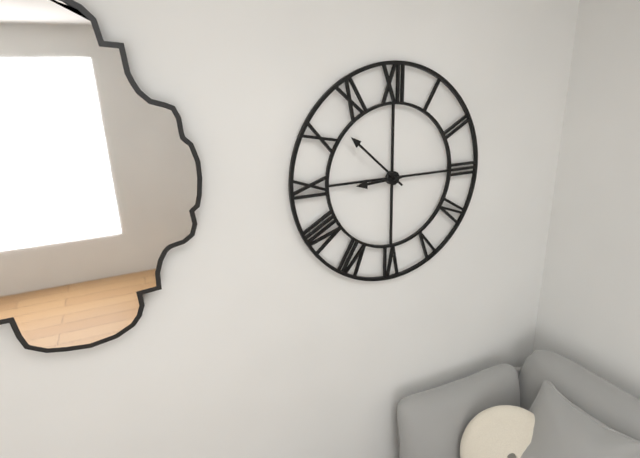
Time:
{"hour": 8, "minute": 52}
